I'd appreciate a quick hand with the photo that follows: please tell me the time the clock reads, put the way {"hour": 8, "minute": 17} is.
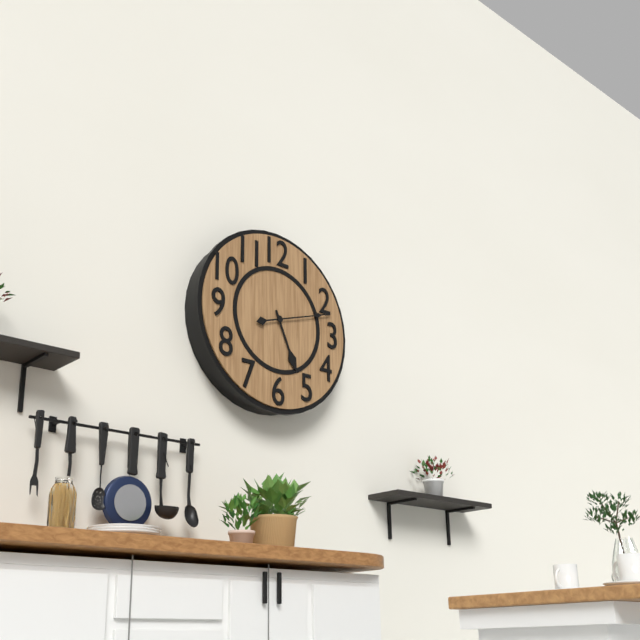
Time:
{"hour": 5, "minute": 12}
